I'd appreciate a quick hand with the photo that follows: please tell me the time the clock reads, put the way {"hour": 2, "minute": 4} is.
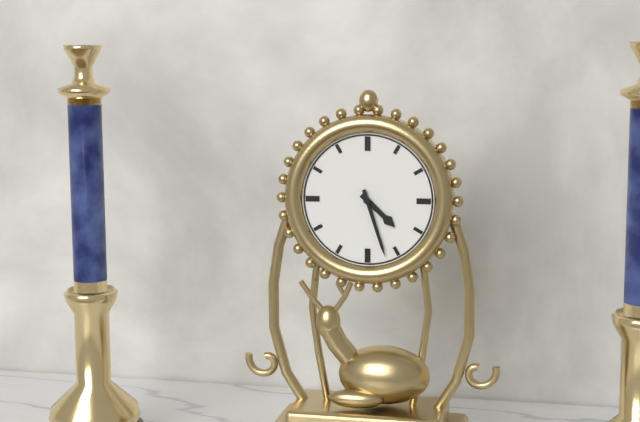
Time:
{"hour": 4, "minute": 27}
